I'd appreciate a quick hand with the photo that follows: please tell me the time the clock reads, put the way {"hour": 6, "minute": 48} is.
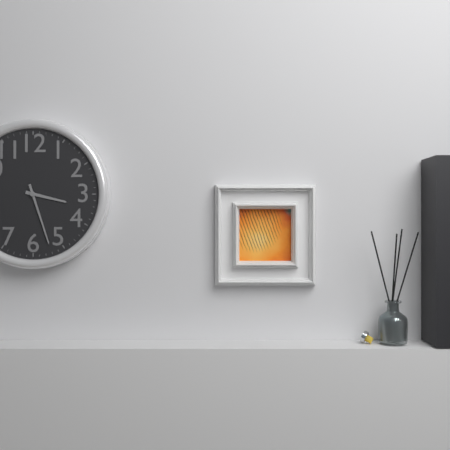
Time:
{"hour": 3, "minute": 27}
